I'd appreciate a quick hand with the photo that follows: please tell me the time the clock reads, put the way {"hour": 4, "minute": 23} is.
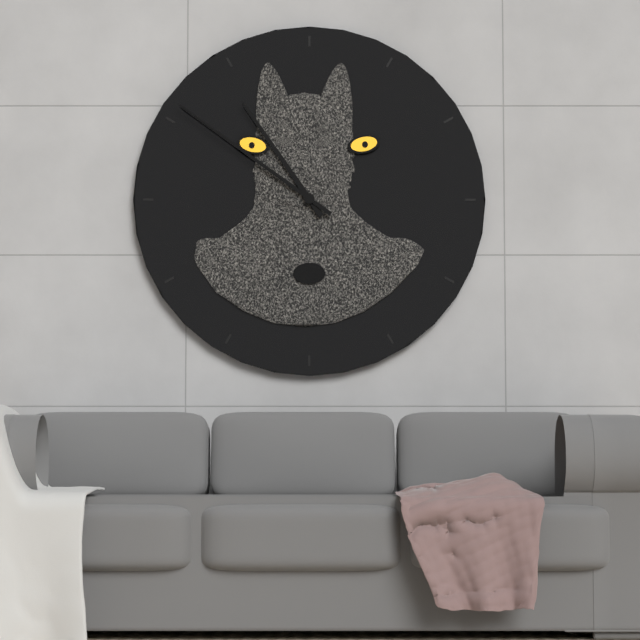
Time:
{"hour": 10, "minute": 51}
